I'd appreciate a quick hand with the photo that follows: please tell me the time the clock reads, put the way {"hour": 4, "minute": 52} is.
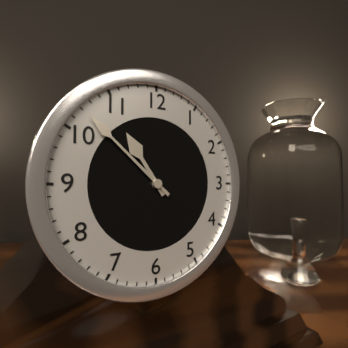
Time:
{"hour": 10, "minute": 52}
